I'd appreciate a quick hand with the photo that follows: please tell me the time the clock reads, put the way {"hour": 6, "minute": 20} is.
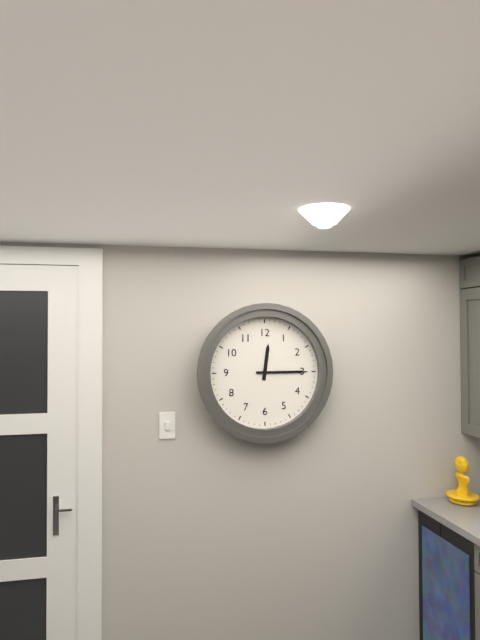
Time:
{"hour": 12, "minute": 15}
